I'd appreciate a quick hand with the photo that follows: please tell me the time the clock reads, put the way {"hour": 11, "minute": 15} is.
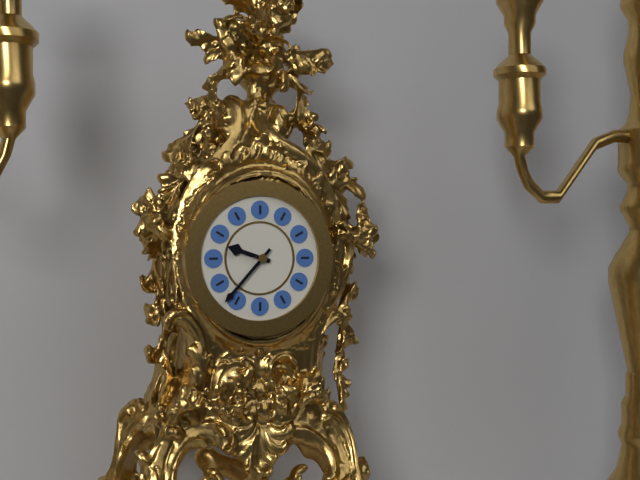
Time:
{"hour": 9, "minute": 37}
